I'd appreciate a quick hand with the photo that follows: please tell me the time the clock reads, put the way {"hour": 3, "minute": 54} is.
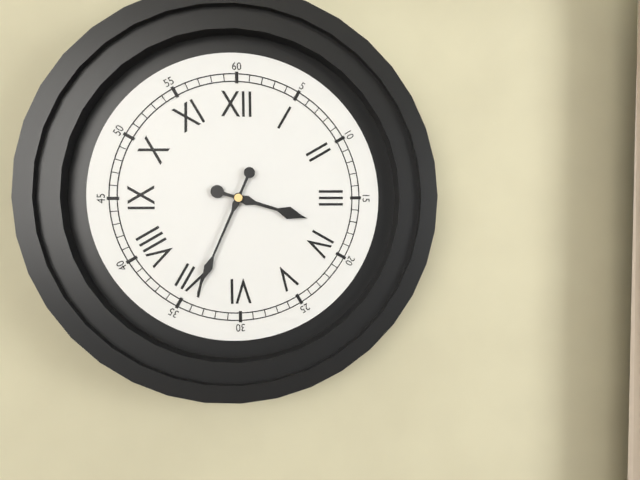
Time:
{"hour": 3, "minute": 34}
